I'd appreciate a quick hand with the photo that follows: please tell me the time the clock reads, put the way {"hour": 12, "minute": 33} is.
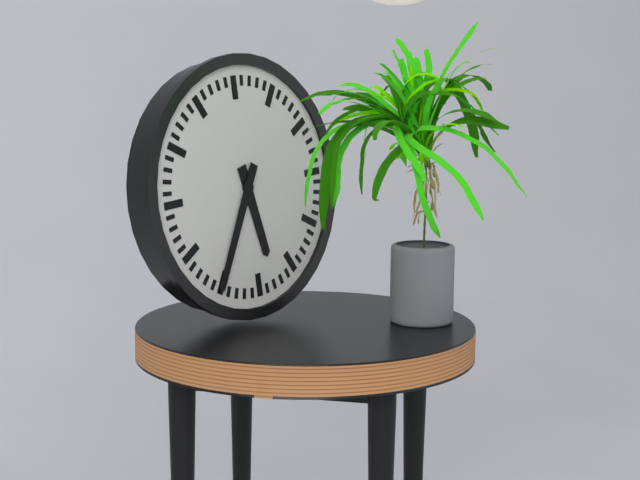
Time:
{"hour": 5, "minute": 35}
